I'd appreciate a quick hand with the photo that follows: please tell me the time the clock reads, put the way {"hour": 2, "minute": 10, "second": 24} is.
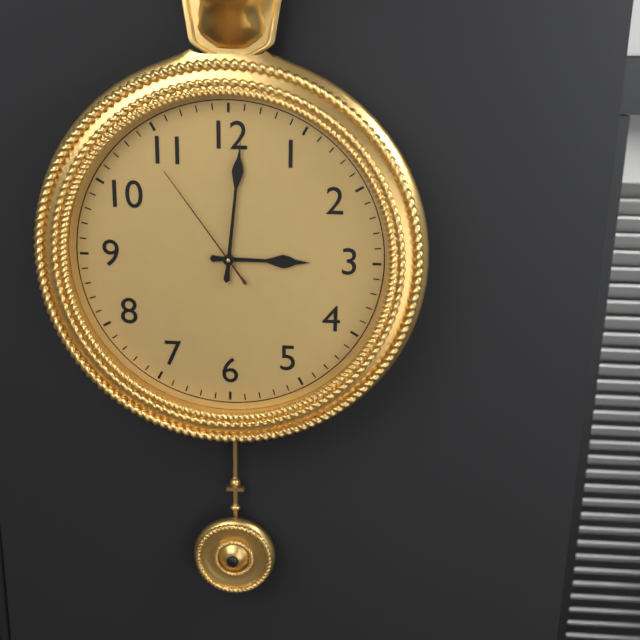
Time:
{"hour": 3, "minute": 1, "second": 54}
